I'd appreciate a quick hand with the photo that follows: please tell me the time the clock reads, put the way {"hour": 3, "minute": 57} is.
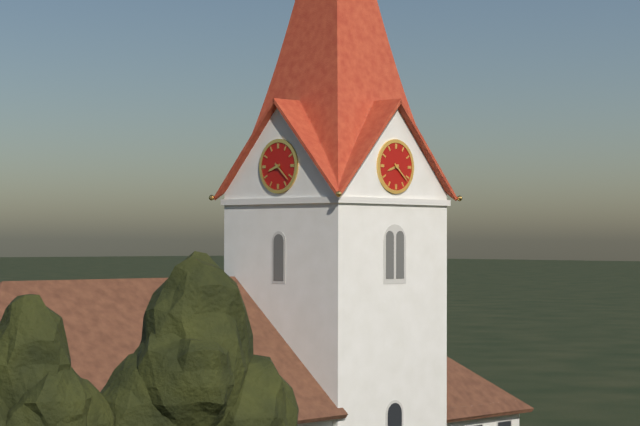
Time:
{"hour": 8, "minute": 22}
